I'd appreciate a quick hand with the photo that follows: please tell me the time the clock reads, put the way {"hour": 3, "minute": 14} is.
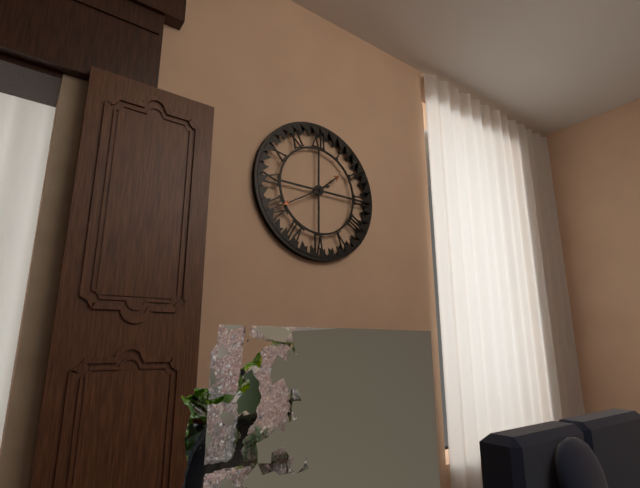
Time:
{"hour": 1, "minute": 40}
